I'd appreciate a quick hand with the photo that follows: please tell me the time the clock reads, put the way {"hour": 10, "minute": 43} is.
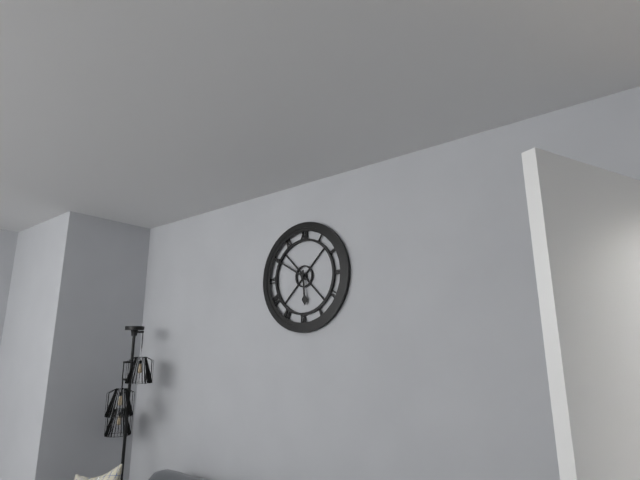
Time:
{"hour": 5, "minute": 50}
